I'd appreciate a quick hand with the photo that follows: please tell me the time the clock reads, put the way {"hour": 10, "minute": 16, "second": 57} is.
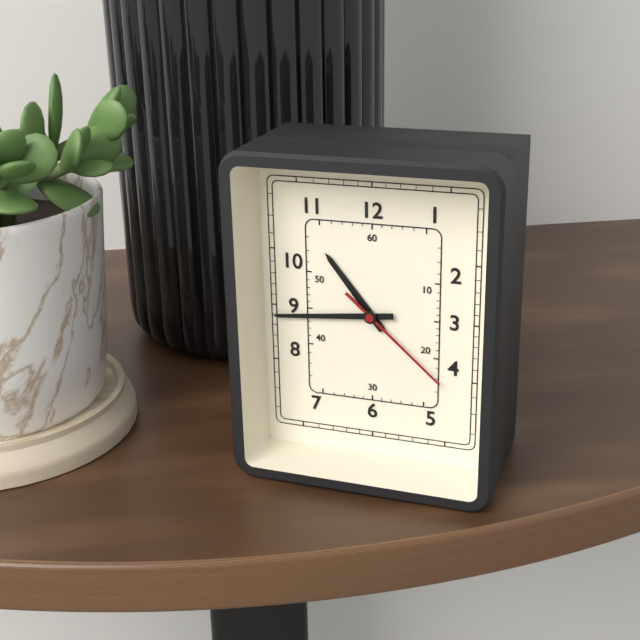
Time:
{"hour": 10, "minute": 44, "second": 22}
